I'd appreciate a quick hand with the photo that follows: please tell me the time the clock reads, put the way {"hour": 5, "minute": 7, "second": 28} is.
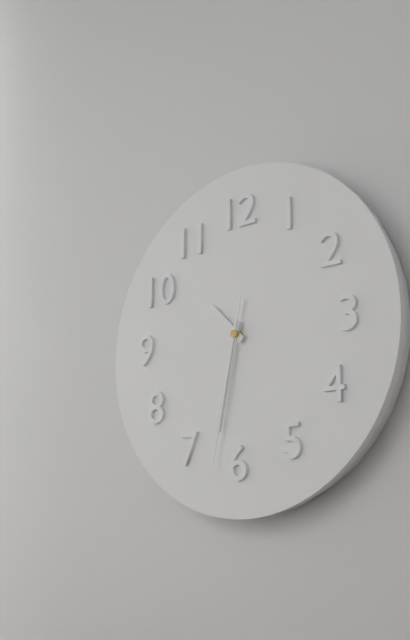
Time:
{"hour": 10, "minute": 32, "second": 32}
